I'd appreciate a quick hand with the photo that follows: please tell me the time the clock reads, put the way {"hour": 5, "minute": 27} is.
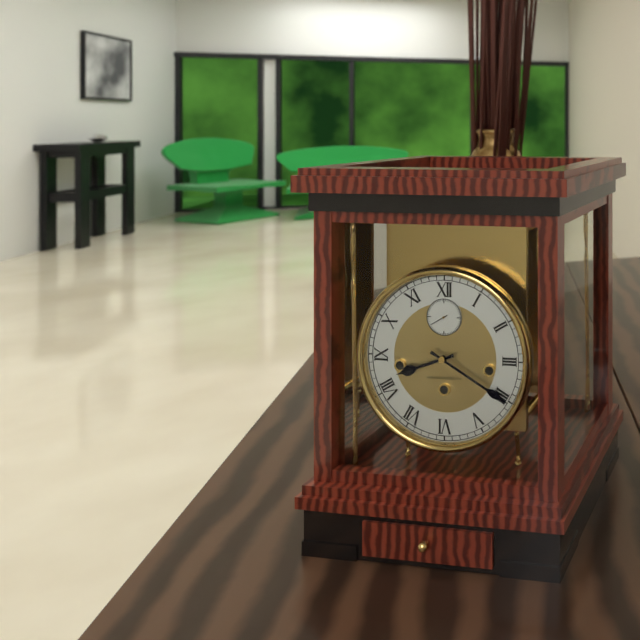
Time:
{"hour": 8, "minute": 20}
